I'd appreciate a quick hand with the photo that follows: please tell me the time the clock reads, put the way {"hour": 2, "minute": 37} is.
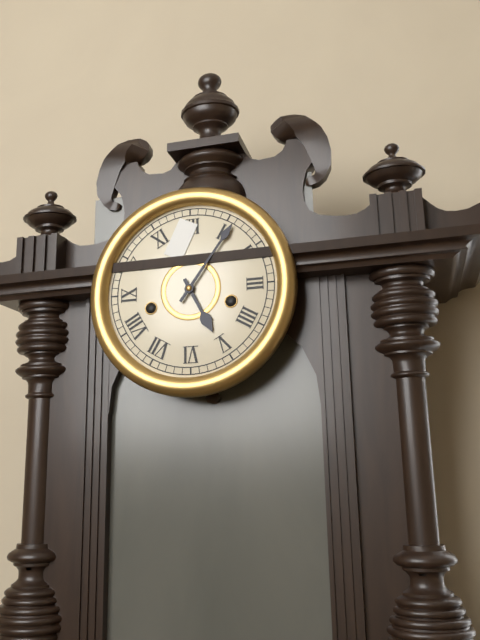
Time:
{"hour": 5, "minute": 6}
